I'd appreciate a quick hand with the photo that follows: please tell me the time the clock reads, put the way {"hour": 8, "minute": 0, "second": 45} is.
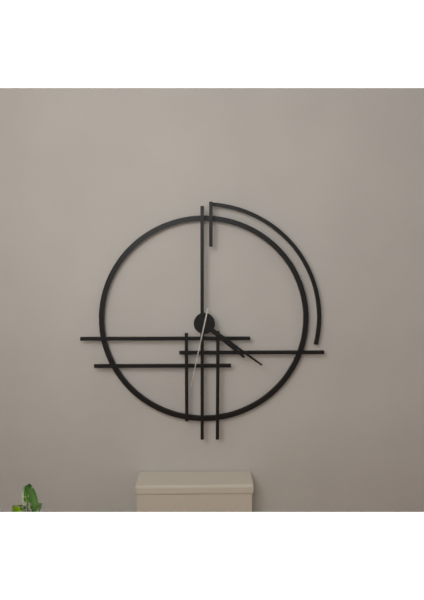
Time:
{"hour": 4, "minute": 21, "second": 32}
